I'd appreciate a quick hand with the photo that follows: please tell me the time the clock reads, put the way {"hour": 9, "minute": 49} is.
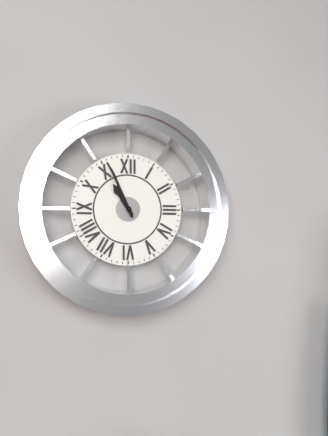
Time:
{"hour": 10, "minute": 56}
